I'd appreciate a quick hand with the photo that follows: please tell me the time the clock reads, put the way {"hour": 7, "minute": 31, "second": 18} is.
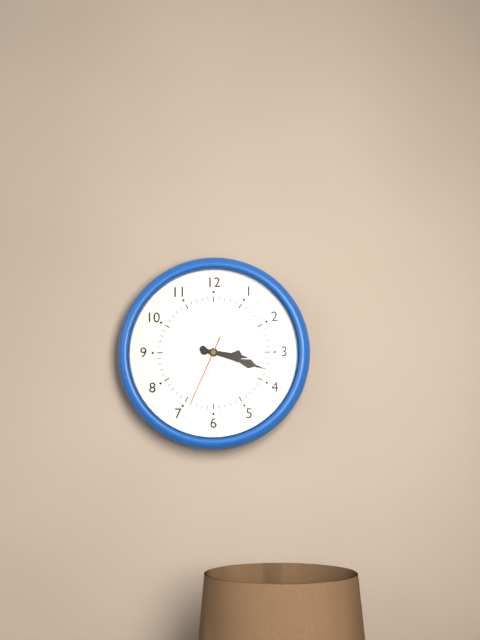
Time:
{"hour": 3, "minute": 18, "second": 34}
